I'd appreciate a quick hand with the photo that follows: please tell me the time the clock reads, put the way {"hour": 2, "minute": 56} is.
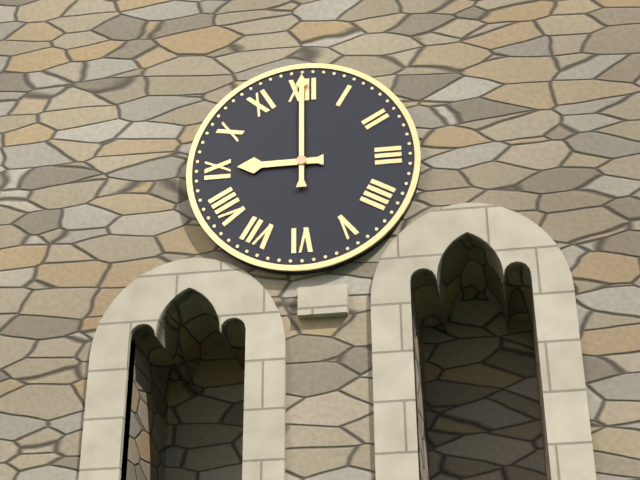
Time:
{"hour": 9, "minute": 0}
